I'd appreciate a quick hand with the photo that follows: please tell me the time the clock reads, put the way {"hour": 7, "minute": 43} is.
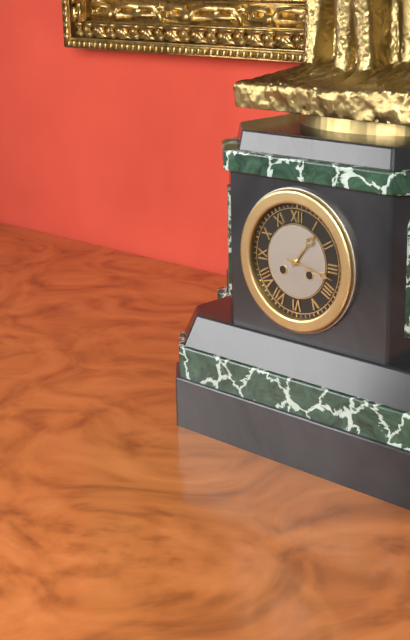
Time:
{"hour": 1, "minute": 17}
